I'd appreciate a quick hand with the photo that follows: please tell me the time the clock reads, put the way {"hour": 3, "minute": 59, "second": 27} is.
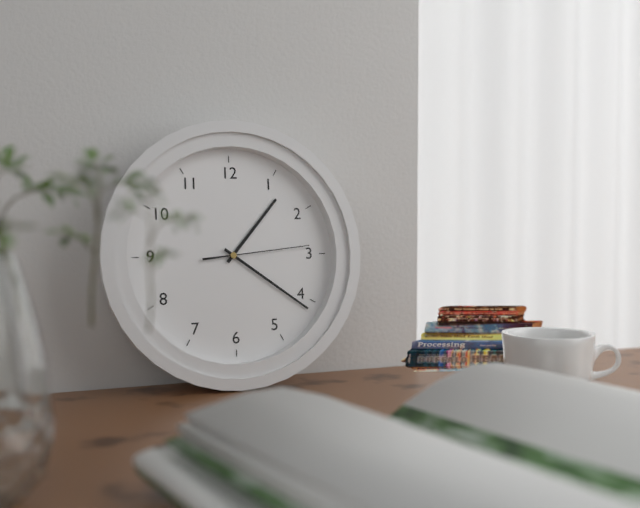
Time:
{"hour": 1, "minute": 21, "second": 14}
